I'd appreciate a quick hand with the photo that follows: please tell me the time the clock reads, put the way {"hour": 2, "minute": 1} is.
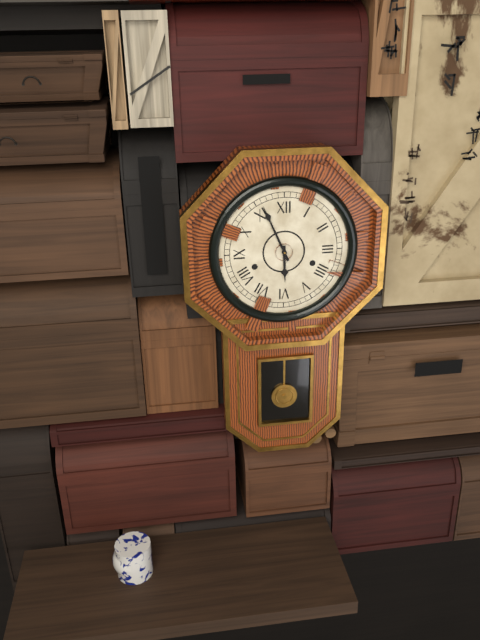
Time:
{"hour": 5, "minute": 56}
